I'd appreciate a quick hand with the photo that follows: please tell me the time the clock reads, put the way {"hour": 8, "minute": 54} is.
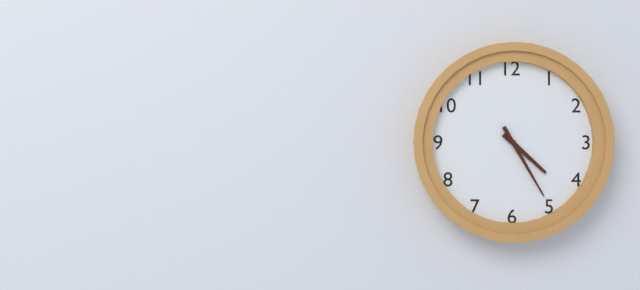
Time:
{"hour": 4, "minute": 25}
